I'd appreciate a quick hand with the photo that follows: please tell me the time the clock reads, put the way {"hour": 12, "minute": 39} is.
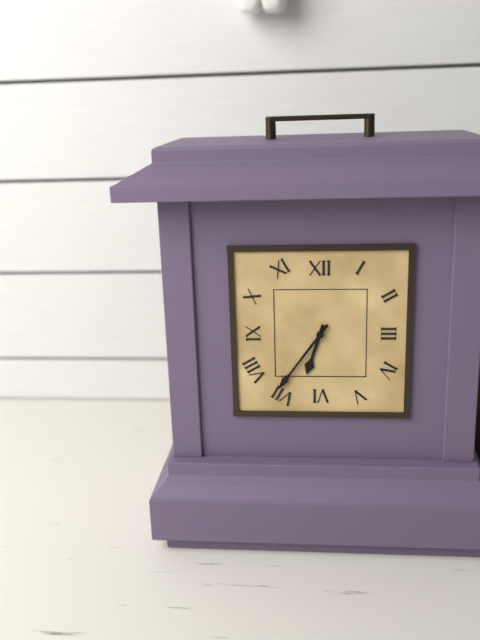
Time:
{"hour": 6, "minute": 36}
